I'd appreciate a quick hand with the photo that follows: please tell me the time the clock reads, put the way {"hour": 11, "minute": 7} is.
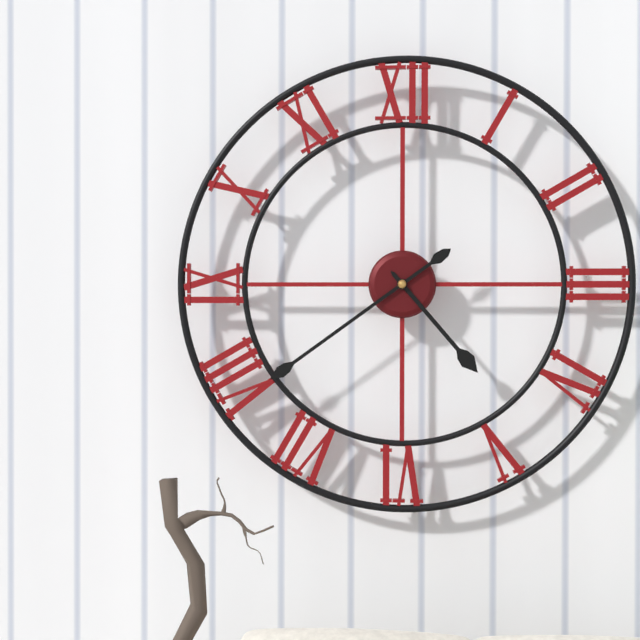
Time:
{"hour": 4, "minute": 39}
